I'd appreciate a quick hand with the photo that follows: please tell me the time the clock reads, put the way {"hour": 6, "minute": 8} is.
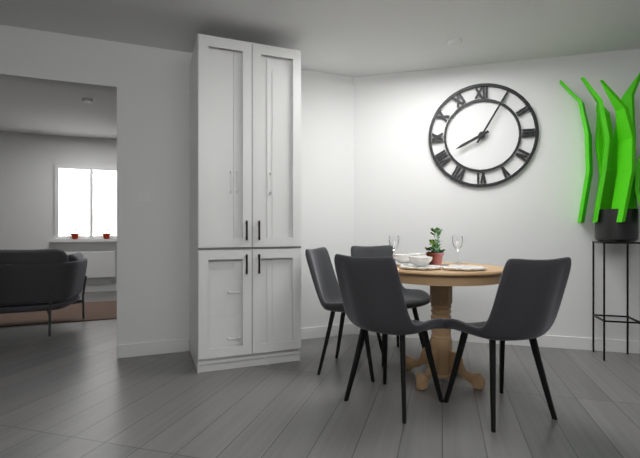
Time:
{"hour": 8, "minute": 5}
